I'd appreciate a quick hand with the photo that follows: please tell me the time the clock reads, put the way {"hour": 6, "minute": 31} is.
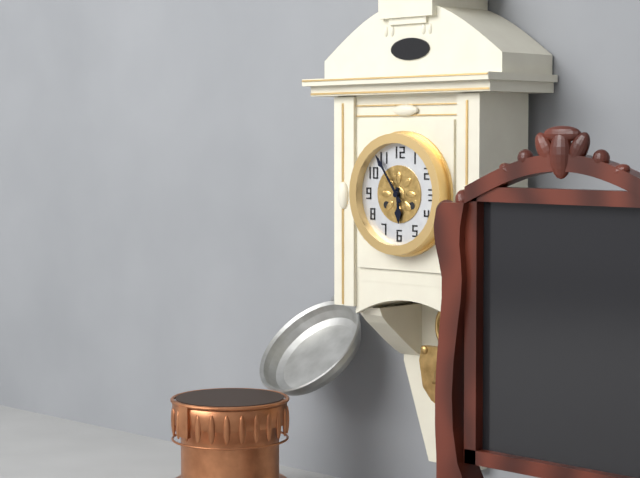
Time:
{"hour": 5, "minute": 54}
